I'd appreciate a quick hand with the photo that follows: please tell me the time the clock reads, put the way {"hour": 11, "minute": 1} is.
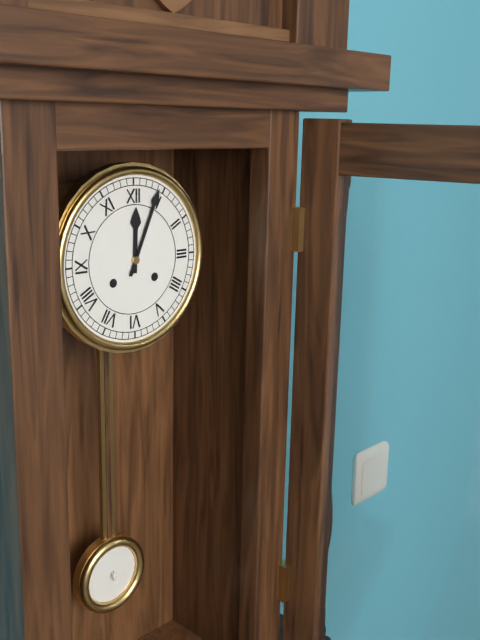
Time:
{"hour": 12, "minute": 4}
